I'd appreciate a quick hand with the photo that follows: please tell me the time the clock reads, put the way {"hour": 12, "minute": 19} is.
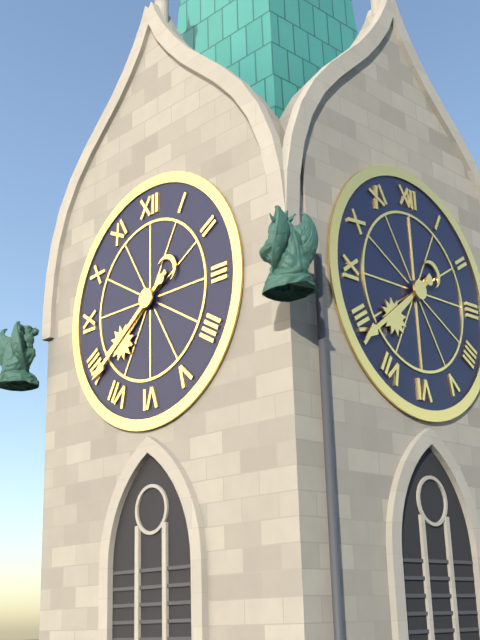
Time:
{"hour": 7, "minute": 39}
